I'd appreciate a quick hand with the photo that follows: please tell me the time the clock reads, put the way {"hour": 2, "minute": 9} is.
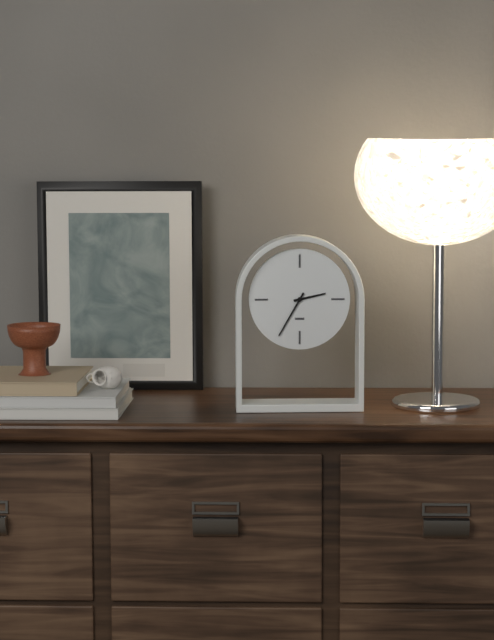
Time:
{"hour": 2, "minute": 35}
